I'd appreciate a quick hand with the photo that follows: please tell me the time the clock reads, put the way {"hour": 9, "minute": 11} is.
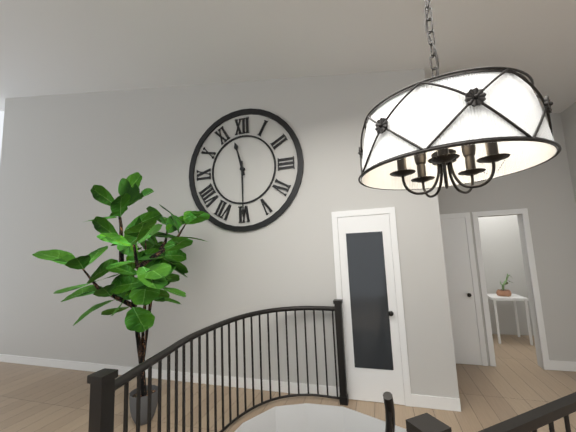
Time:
{"hour": 11, "minute": 30}
